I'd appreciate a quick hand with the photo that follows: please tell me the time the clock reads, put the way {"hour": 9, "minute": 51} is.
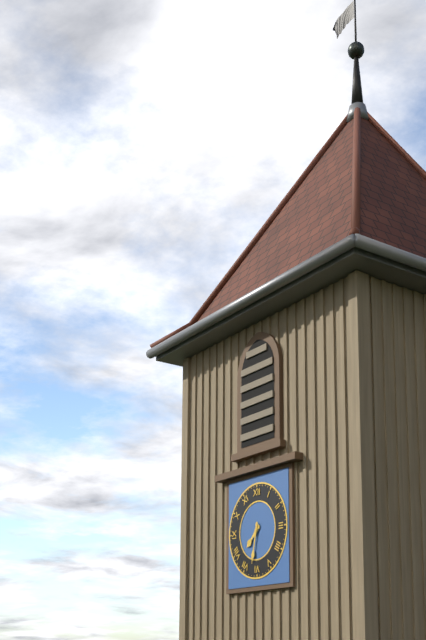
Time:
{"hour": 7, "minute": 32}
